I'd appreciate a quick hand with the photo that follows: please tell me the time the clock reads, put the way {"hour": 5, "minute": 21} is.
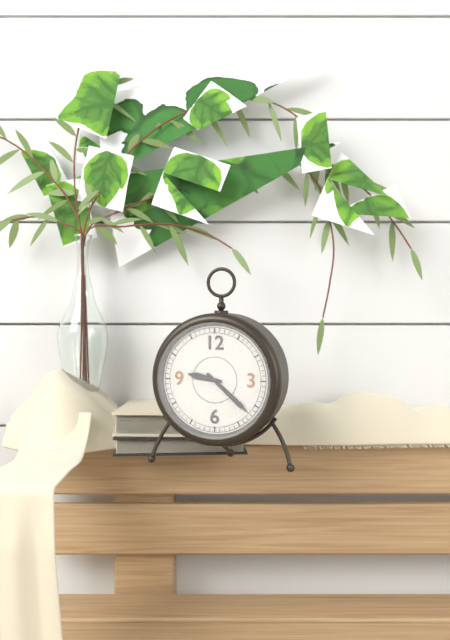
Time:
{"hour": 9, "minute": 22}
